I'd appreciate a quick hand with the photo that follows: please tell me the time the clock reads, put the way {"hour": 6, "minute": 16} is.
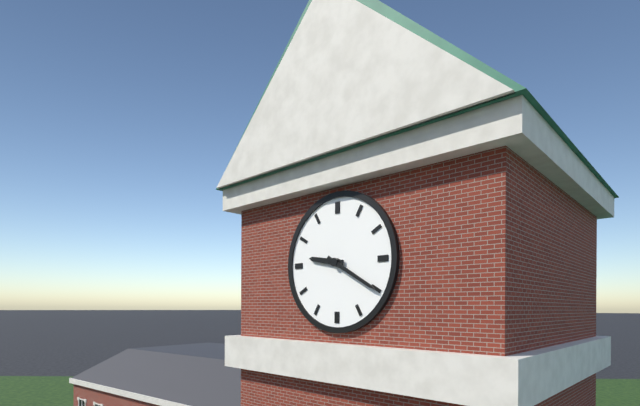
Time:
{"hour": 9, "minute": 20}
